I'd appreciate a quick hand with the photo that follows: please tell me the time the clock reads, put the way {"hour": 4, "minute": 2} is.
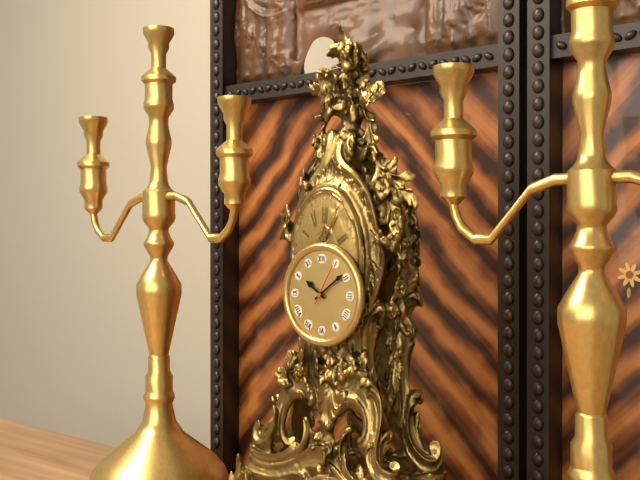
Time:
{"hour": 10, "minute": 9}
